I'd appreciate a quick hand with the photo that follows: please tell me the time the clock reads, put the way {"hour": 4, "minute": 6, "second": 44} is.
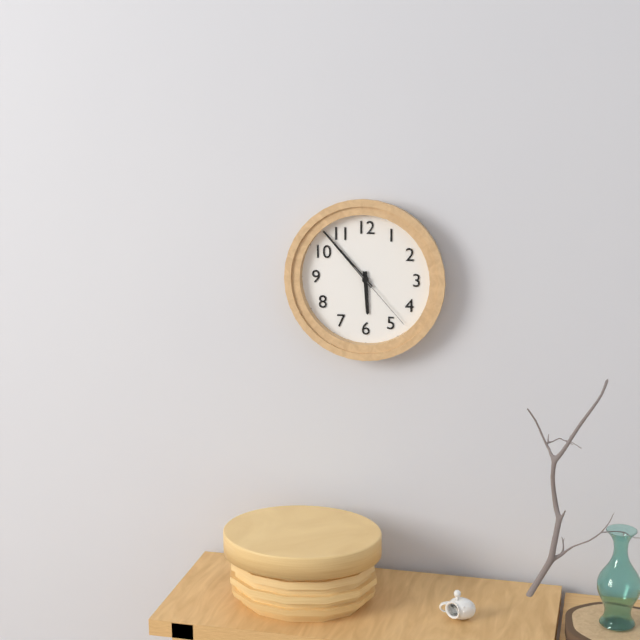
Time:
{"hour": 5, "minute": 53, "second": 23}
